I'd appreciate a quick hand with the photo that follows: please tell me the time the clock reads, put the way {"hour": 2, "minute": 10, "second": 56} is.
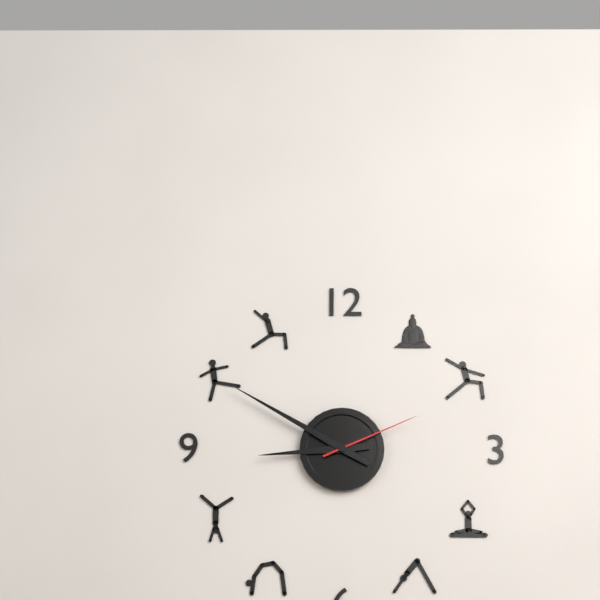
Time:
{"hour": 8, "minute": 50, "second": 11}
